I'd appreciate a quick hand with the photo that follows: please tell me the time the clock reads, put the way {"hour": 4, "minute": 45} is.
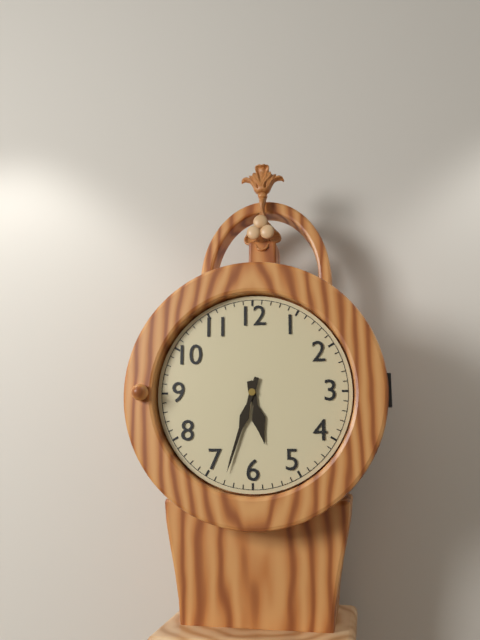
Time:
{"hour": 5, "minute": 33}
